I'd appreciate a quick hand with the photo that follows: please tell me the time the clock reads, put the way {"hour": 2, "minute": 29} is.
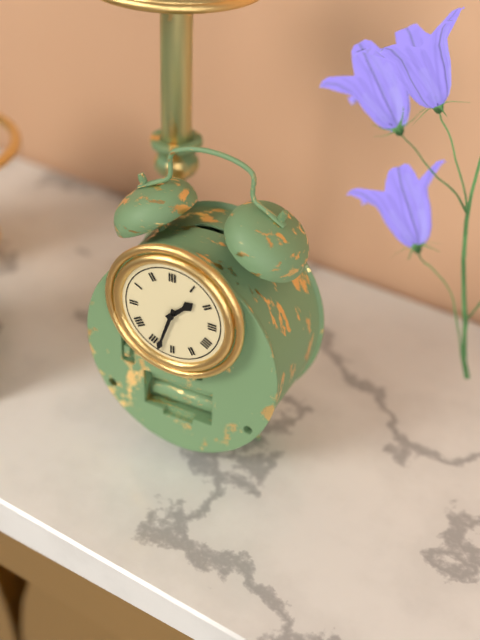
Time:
{"hour": 1, "minute": 33}
